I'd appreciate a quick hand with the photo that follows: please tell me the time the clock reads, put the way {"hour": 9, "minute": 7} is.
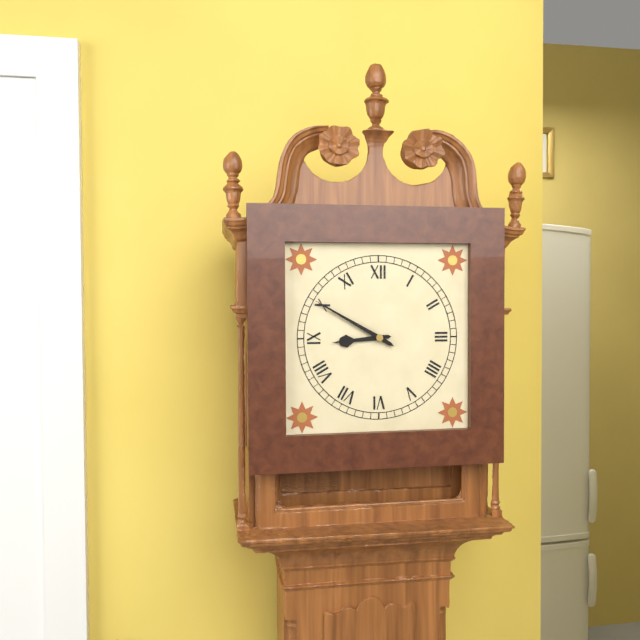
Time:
{"hour": 8, "minute": 50}
